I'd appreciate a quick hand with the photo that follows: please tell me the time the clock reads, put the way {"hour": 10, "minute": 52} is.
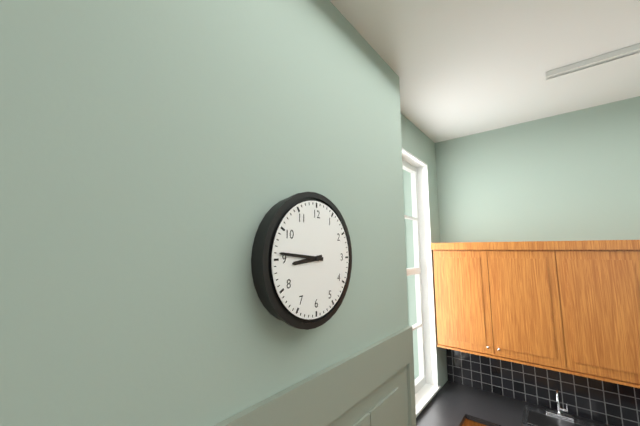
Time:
{"hour": 8, "minute": 46}
